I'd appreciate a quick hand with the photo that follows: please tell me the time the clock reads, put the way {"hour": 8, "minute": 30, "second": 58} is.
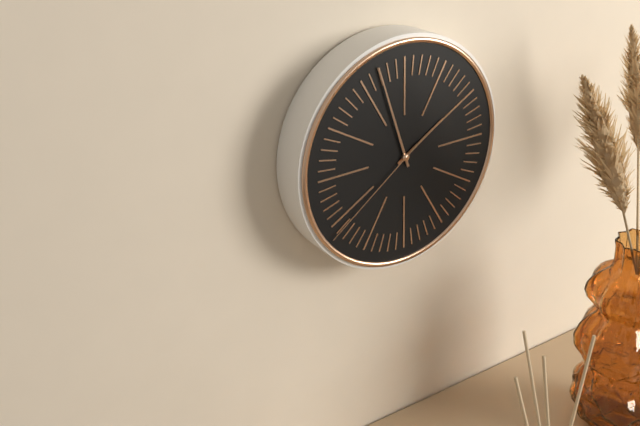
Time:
{"hour": 1, "minute": 57, "second": 39}
